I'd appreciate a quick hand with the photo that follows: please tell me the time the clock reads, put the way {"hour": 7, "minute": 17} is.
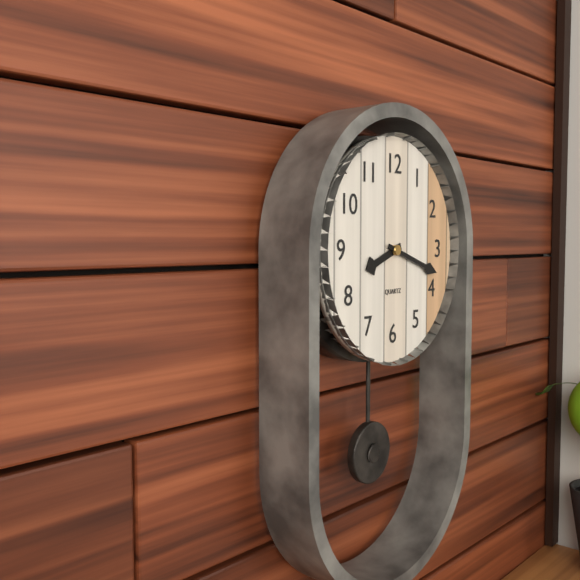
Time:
{"hour": 8, "minute": 18}
